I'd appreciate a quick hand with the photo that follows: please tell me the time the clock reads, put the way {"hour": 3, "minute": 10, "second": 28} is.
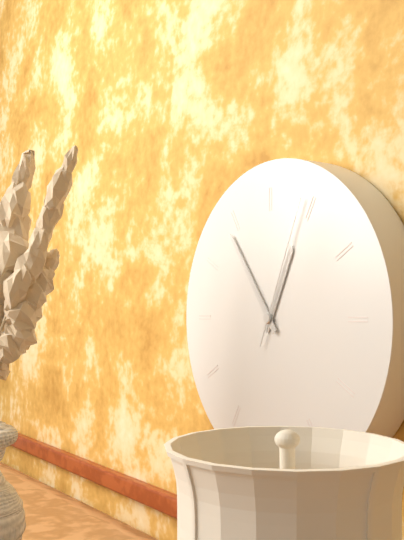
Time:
{"hour": 12, "minute": 54, "second": 4}
